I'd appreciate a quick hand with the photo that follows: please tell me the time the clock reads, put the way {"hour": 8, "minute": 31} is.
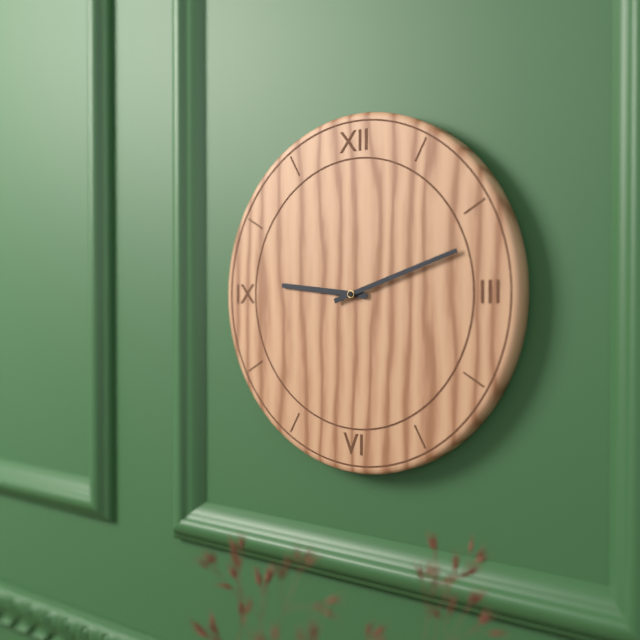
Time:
{"hour": 9, "minute": 12}
